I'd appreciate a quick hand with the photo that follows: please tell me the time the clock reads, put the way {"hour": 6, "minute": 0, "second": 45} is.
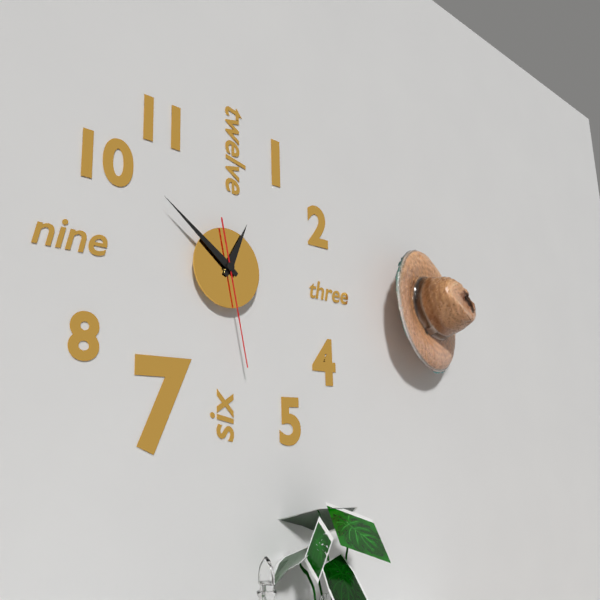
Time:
{"hour": 12, "minute": 51, "second": 28}
